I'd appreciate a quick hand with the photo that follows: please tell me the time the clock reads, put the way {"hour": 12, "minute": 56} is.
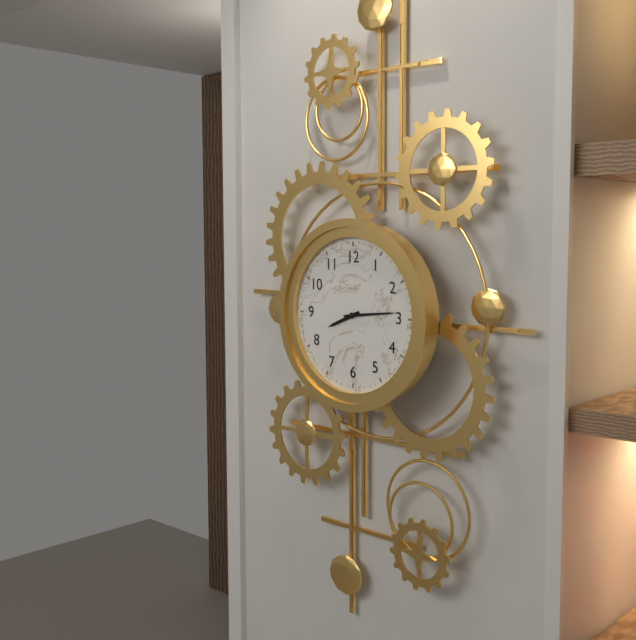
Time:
{"hour": 8, "minute": 14}
